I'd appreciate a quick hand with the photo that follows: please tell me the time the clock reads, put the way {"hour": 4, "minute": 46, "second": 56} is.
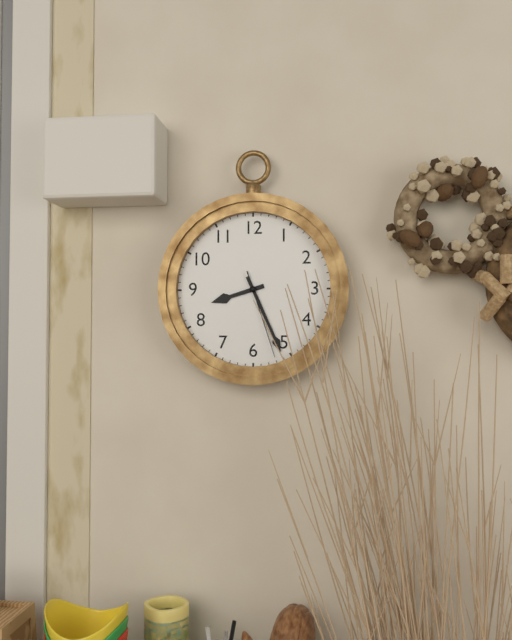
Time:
{"hour": 8, "minute": 26, "second": 27}
